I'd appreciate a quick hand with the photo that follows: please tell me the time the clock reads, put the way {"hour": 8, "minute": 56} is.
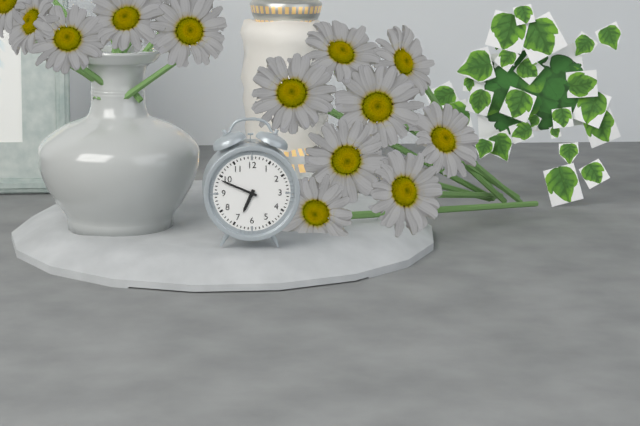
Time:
{"hour": 6, "minute": 49}
